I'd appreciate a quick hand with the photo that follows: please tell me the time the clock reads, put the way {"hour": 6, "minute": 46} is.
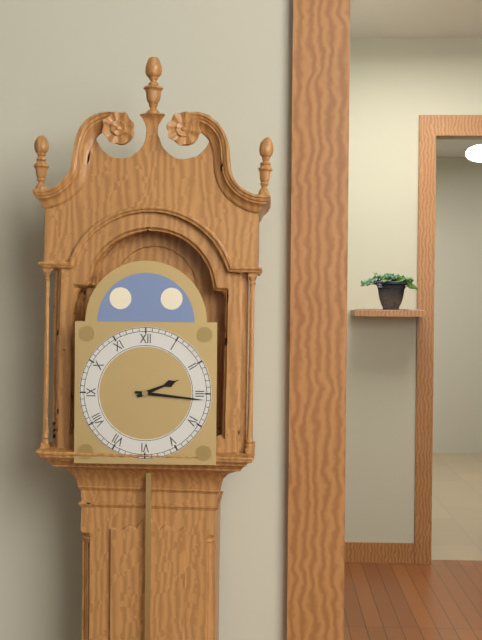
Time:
{"hour": 2, "minute": 16}
